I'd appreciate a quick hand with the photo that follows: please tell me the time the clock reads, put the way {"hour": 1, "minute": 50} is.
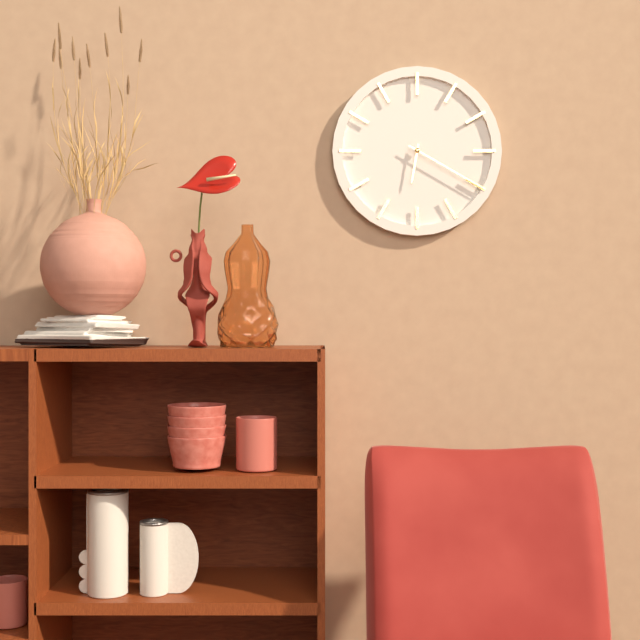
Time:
{"hour": 6, "minute": 20}
